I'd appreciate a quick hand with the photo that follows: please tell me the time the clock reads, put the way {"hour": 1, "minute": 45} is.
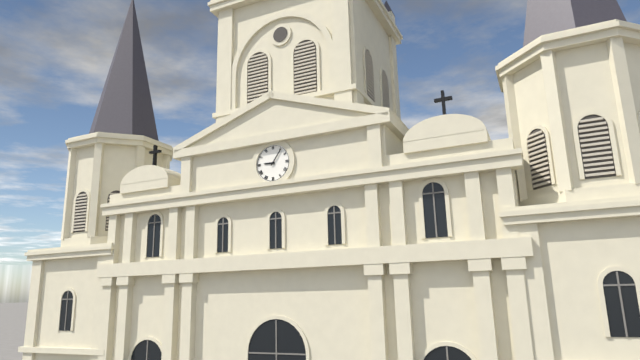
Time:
{"hour": 9, "minute": 6}
